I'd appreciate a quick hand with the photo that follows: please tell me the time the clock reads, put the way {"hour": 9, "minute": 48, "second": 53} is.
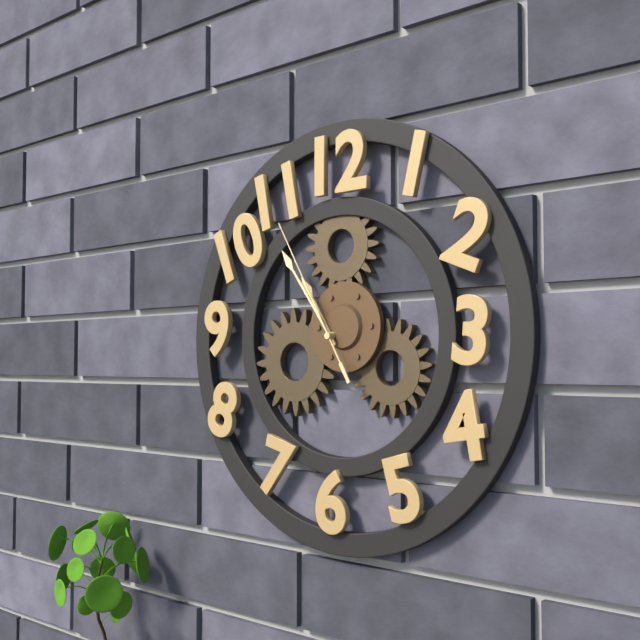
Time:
{"hour": 10, "minute": 54, "second": 55}
